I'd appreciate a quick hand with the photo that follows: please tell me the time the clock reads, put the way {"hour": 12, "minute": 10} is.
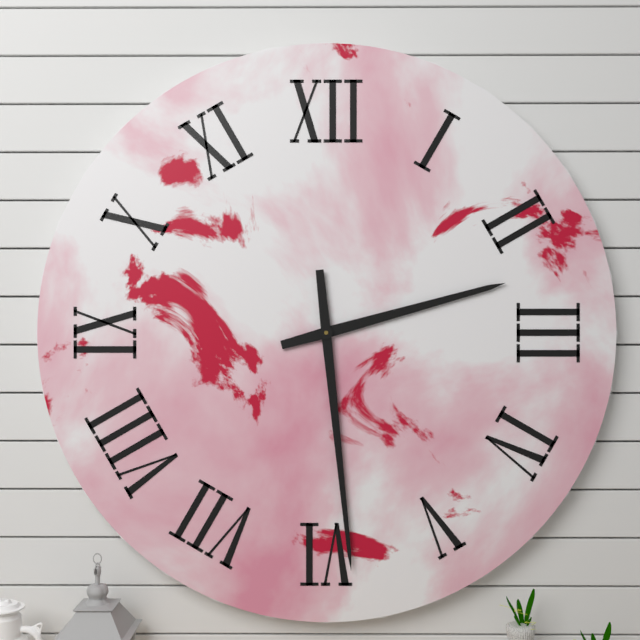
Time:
{"hour": 2, "minute": 29}
